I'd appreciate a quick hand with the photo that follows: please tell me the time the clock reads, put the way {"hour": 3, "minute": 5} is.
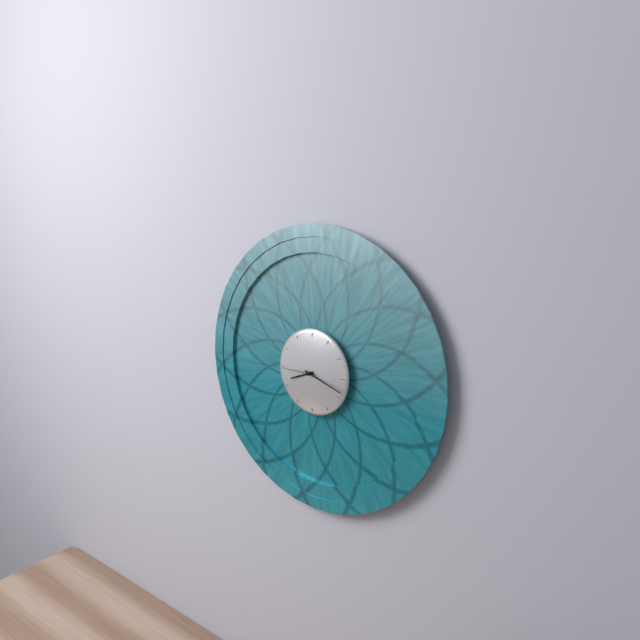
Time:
{"hour": 8, "minute": 18}
